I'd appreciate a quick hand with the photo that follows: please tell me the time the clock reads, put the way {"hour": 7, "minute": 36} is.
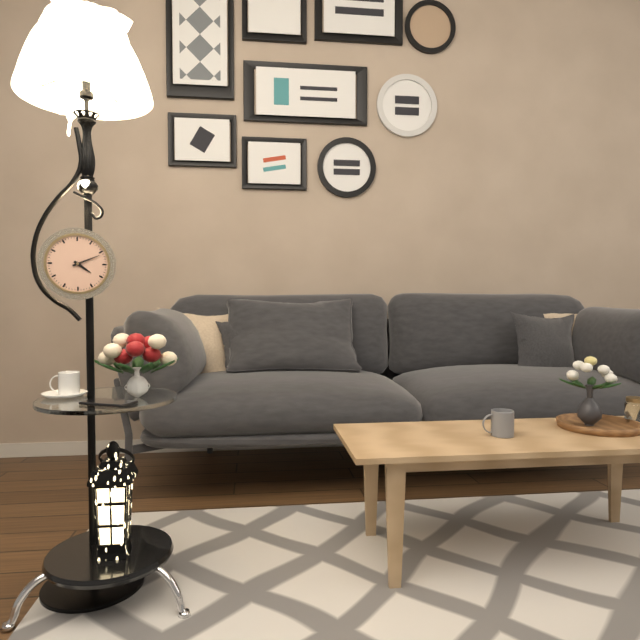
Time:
{"hour": 4, "minute": 11}
